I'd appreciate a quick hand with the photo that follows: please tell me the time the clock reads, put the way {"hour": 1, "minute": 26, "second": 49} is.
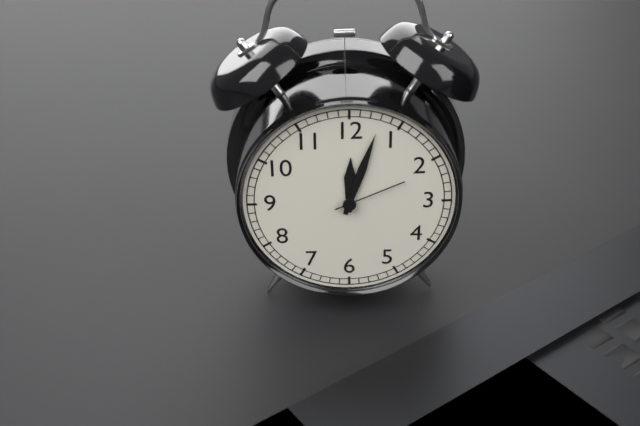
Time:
{"hour": 12, "minute": 3, "second": 11}
